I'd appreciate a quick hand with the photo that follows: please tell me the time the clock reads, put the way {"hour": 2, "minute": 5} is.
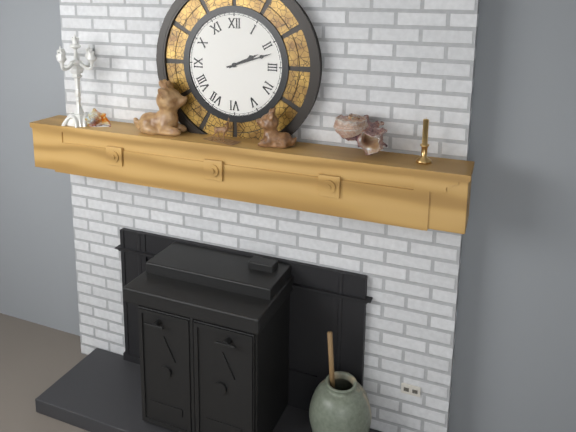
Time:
{"hour": 2, "minute": 12}
